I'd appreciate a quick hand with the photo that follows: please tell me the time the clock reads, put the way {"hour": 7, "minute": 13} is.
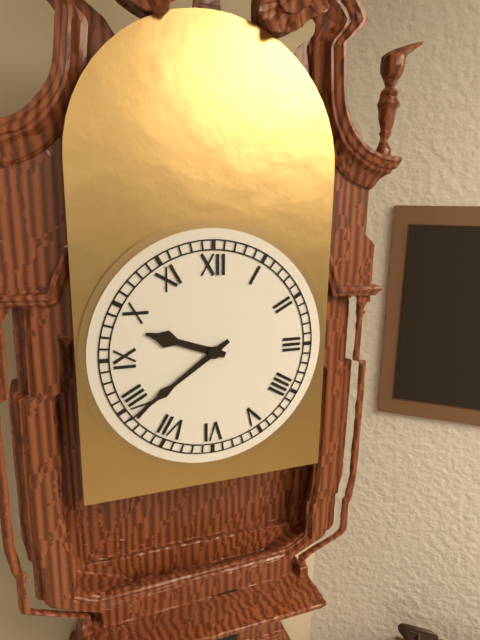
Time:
{"hour": 9, "minute": 39}
